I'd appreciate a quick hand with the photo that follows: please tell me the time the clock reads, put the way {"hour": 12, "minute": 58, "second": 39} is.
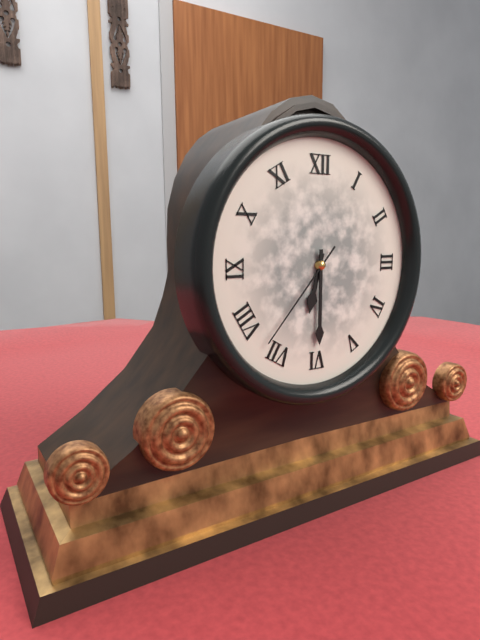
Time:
{"hour": 6, "minute": 30, "second": 37}
